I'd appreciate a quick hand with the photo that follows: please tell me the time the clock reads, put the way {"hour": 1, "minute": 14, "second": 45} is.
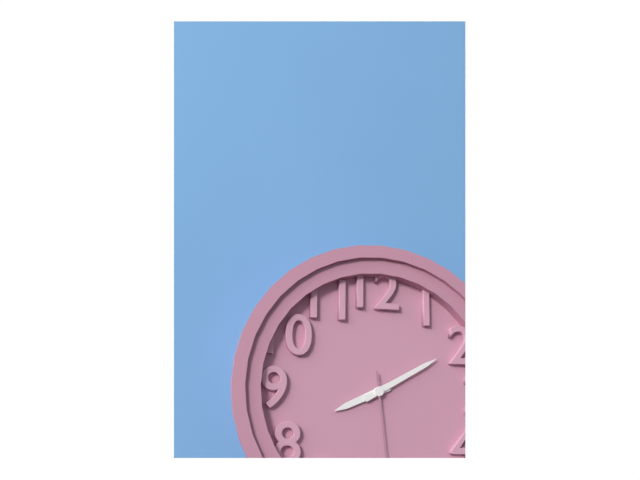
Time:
{"hour": 8, "minute": 10, "second": 29}
